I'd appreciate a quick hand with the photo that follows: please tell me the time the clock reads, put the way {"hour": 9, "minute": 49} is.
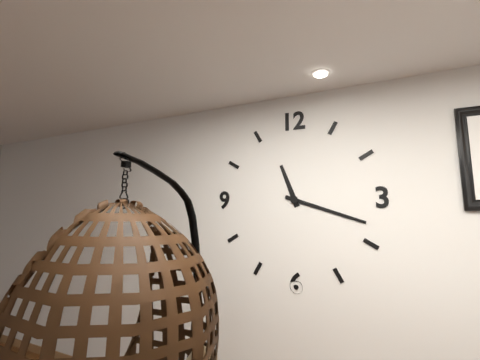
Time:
{"hour": 11, "minute": 18}
